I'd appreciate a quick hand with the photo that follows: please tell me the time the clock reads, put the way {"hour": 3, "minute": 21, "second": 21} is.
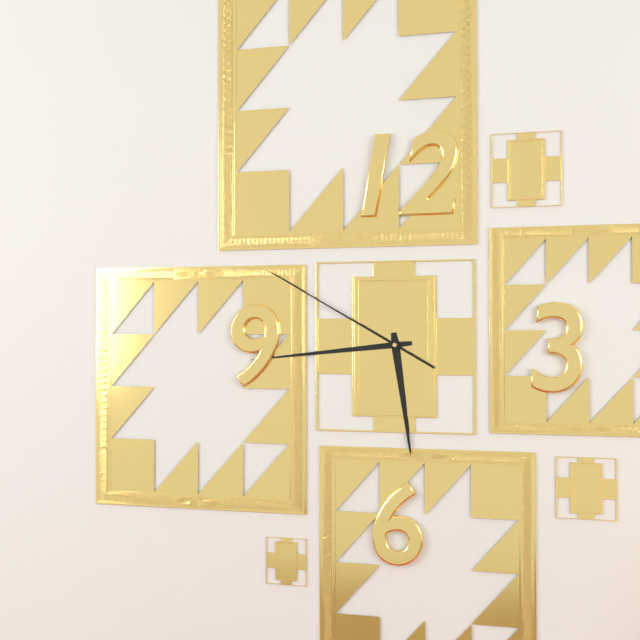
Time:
{"hour": 5, "minute": 44, "second": 50}
